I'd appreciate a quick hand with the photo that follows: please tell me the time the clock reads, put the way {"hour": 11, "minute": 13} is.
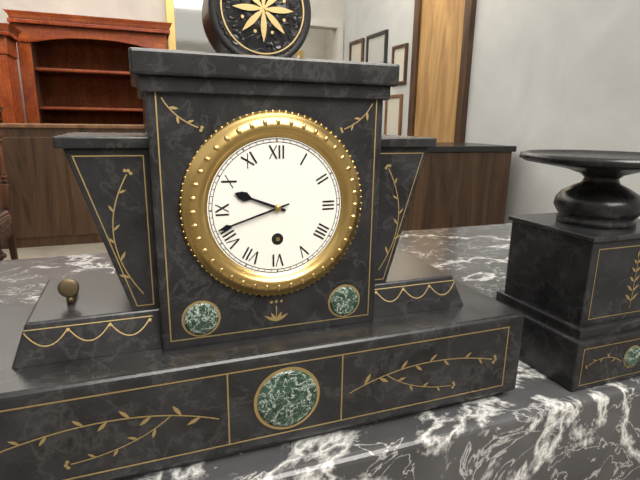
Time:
{"hour": 9, "minute": 42}
